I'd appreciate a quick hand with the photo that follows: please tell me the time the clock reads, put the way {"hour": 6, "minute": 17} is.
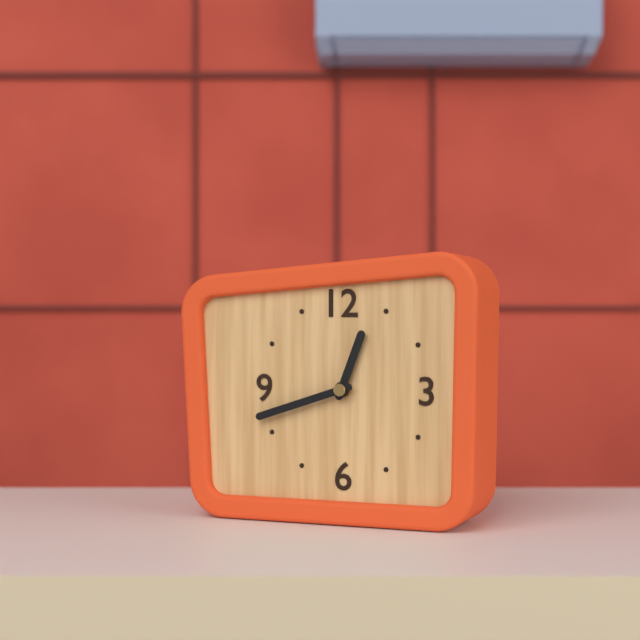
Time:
{"hour": 12, "minute": 42}
